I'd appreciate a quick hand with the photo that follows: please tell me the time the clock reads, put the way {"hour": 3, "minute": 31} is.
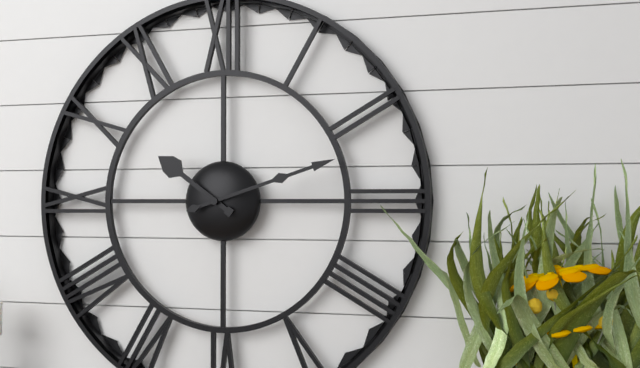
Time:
{"hour": 10, "minute": 12}
